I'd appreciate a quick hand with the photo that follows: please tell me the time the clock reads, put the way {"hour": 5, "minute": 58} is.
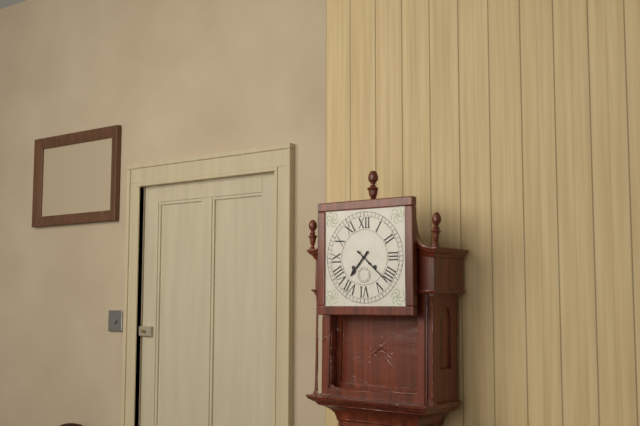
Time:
{"hour": 7, "minute": 22}
